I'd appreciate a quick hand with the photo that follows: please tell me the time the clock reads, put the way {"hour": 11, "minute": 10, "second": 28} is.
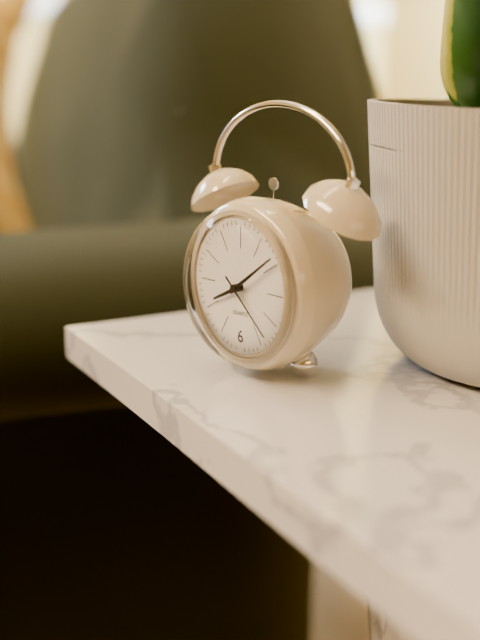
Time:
{"hour": 8, "minute": 9, "second": 22}
